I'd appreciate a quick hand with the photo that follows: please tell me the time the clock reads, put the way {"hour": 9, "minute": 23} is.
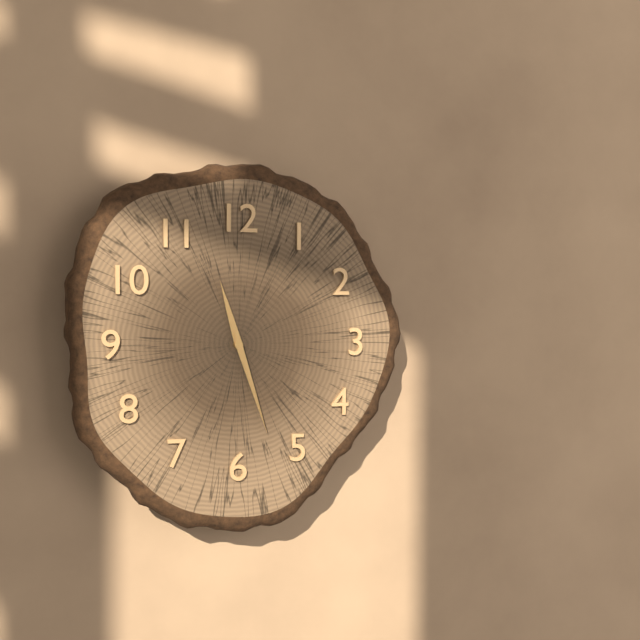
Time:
{"hour": 11, "minute": 27}
